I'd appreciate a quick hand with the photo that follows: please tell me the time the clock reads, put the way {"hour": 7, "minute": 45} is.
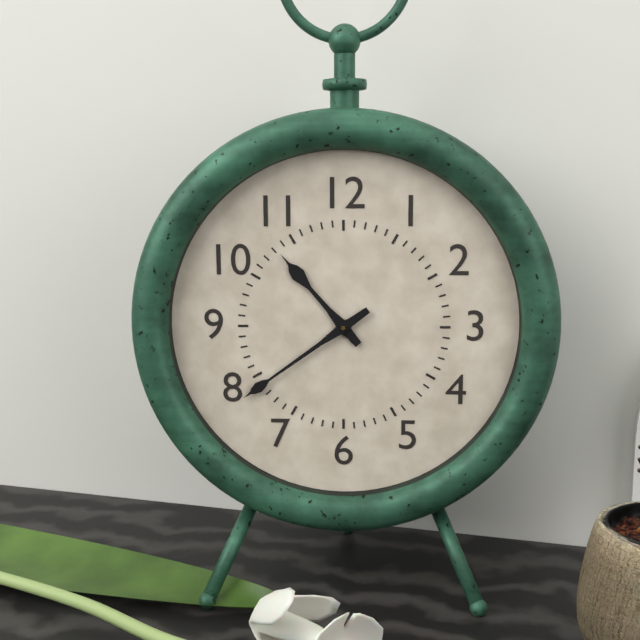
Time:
{"hour": 10, "minute": 39}
